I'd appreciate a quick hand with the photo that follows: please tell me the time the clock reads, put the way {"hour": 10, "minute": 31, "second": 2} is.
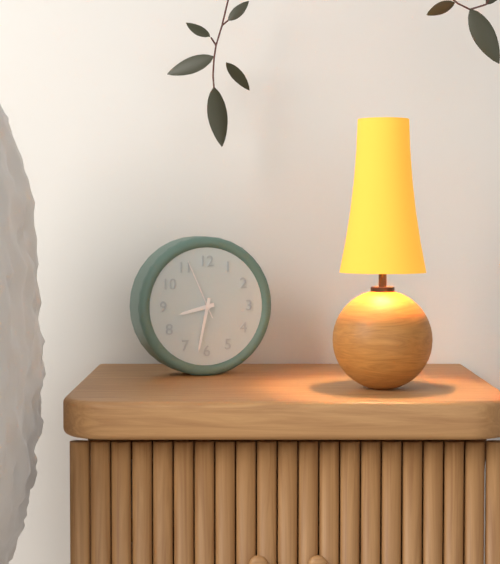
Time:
{"hour": 8, "minute": 32, "second": 56}
